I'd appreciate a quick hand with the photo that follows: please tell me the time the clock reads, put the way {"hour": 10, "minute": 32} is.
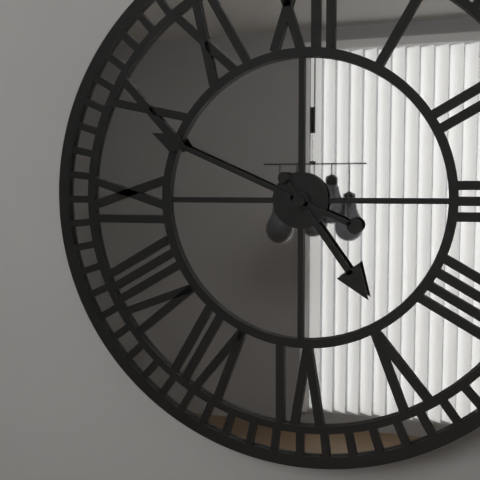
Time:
{"hour": 4, "minute": 49}
